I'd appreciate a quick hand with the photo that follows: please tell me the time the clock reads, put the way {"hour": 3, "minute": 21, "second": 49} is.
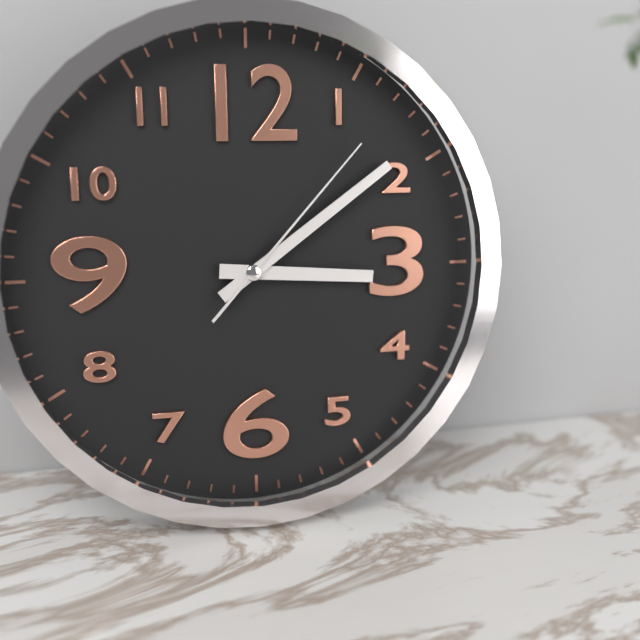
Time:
{"hour": 3, "minute": 9, "second": 7}
